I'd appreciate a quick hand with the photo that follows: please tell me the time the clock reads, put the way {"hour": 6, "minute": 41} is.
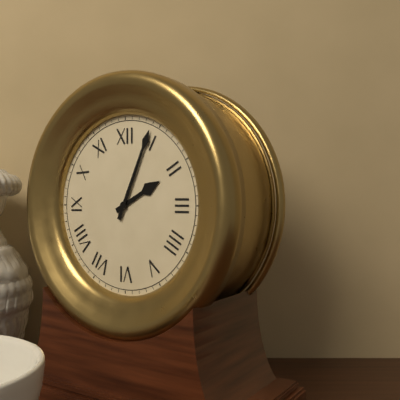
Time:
{"hour": 2, "minute": 4}
